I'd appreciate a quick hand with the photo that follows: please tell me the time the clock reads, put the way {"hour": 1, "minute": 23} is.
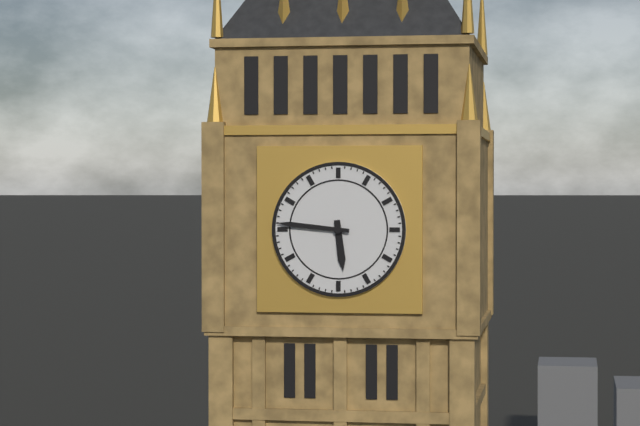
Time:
{"hour": 5, "minute": 46}
